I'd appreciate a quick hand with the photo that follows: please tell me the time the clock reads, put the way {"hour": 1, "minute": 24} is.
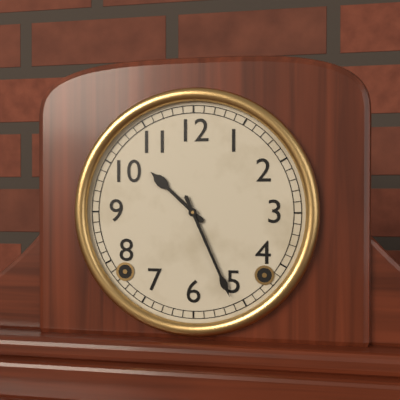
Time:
{"hour": 10, "minute": 26}
